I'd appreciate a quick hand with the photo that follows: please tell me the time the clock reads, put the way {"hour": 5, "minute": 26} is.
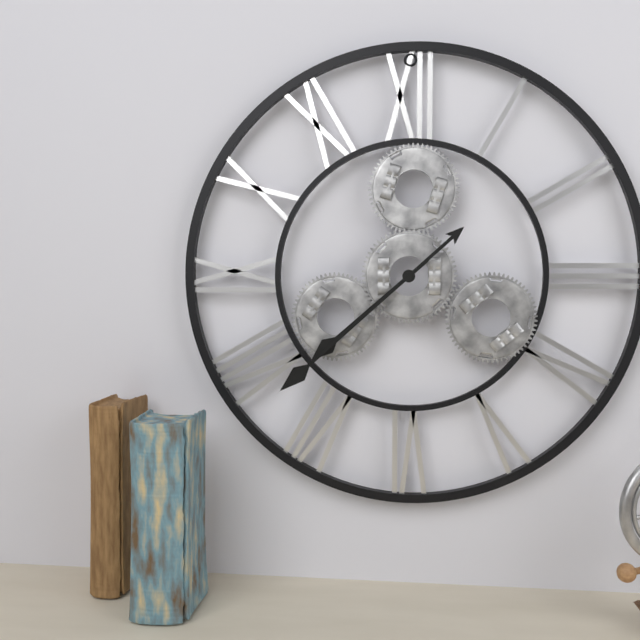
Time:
{"hour": 7, "minute": 38}
